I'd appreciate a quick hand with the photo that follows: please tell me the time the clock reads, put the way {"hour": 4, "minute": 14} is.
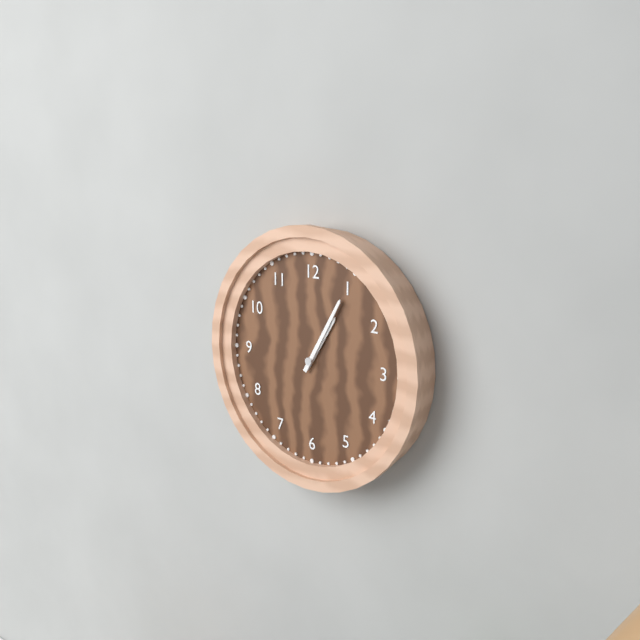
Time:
{"hour": 1, "minute": 5}
